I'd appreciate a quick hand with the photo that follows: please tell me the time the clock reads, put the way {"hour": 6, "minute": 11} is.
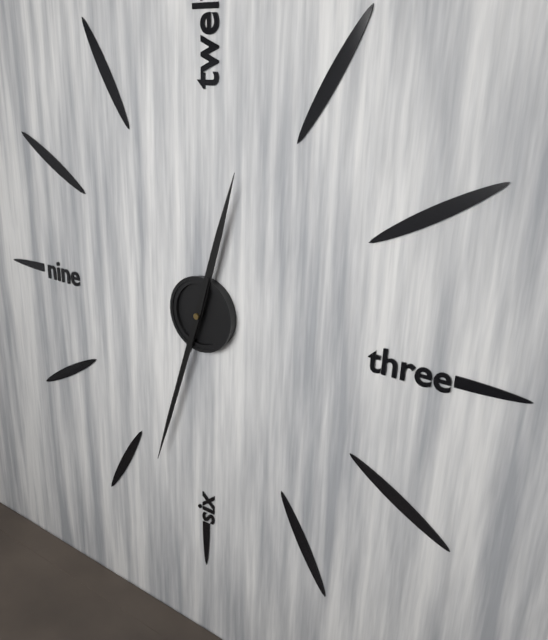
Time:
{"hour": 12, "minute": 33}
